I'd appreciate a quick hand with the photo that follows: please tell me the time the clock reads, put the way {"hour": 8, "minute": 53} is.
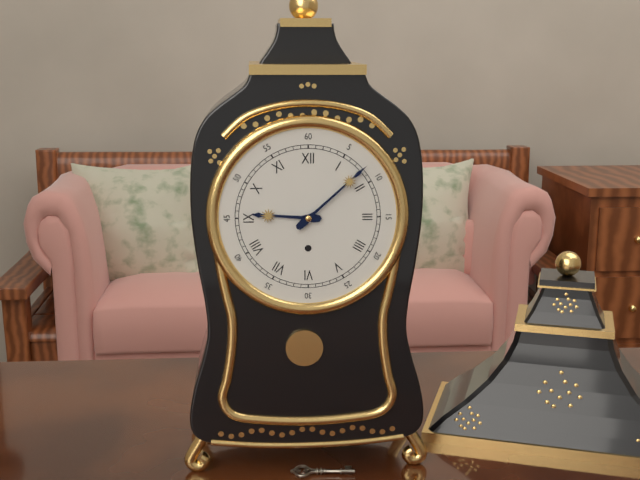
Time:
{"hour": 9, "minute": 8}
